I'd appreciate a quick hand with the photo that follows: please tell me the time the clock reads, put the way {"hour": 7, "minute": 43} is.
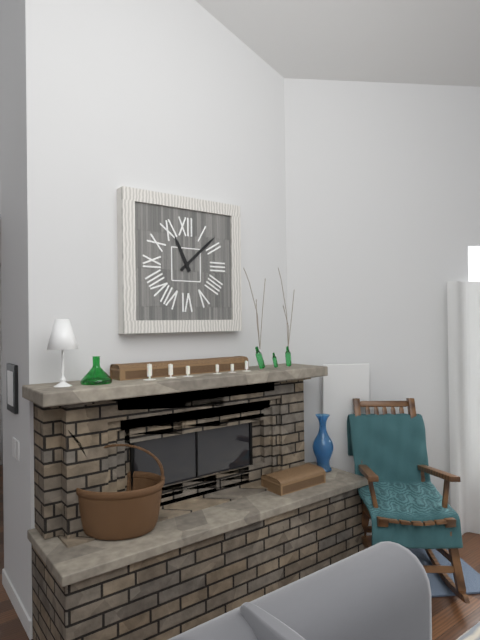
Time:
{"hour": 11, "minute": 8}
